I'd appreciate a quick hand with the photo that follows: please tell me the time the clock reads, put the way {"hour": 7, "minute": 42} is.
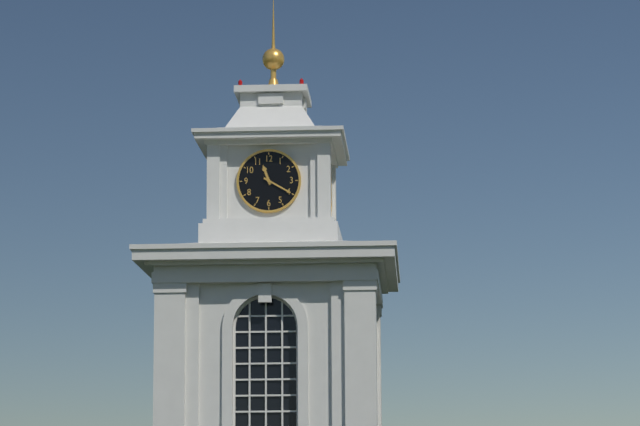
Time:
{"hour": 11, "minute": 20}
